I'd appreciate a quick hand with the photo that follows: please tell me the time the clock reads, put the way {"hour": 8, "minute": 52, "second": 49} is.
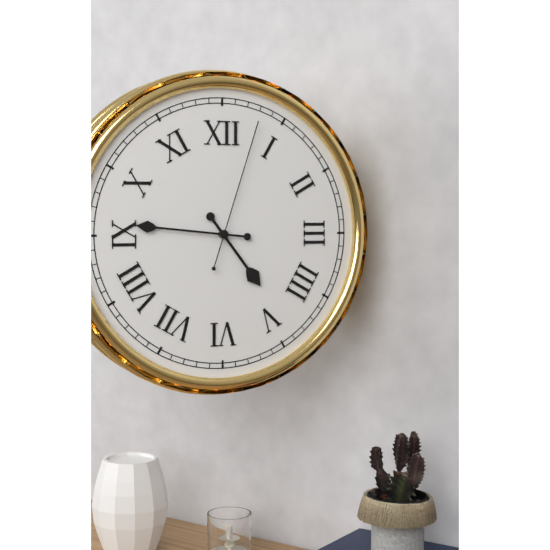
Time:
{"hour": 4, "minute": 46, "second": 3}
